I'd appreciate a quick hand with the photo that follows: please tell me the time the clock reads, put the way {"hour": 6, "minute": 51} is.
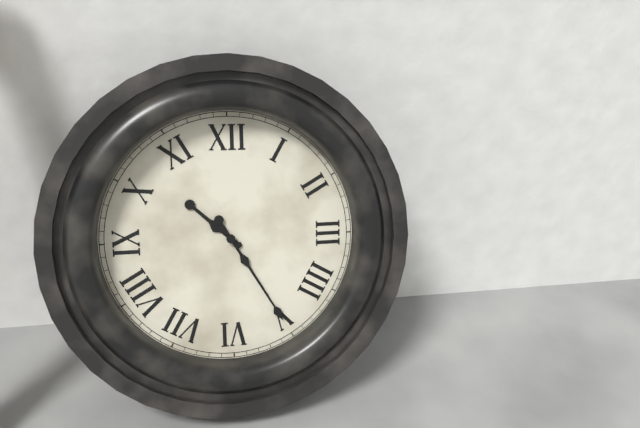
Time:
{"hour": 10, "minute": 25}
